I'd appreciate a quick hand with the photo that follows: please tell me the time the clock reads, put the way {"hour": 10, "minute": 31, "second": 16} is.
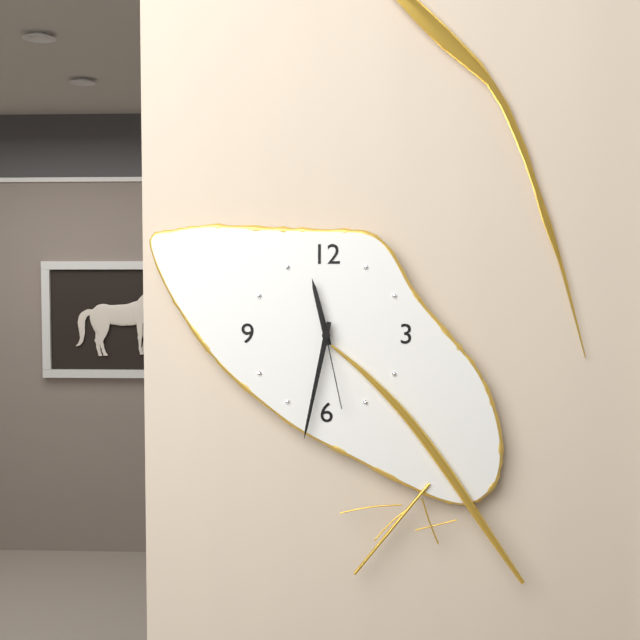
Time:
{"hour": 11, "minute": 32, "second": 28}
